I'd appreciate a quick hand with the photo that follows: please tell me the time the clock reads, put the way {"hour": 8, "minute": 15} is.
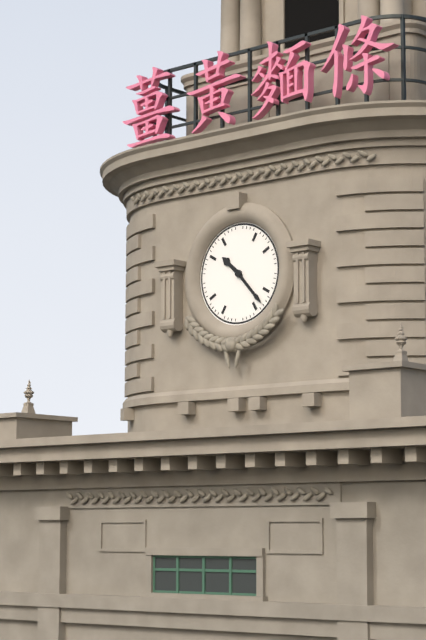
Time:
{"hour": 10, "minute": 23}
